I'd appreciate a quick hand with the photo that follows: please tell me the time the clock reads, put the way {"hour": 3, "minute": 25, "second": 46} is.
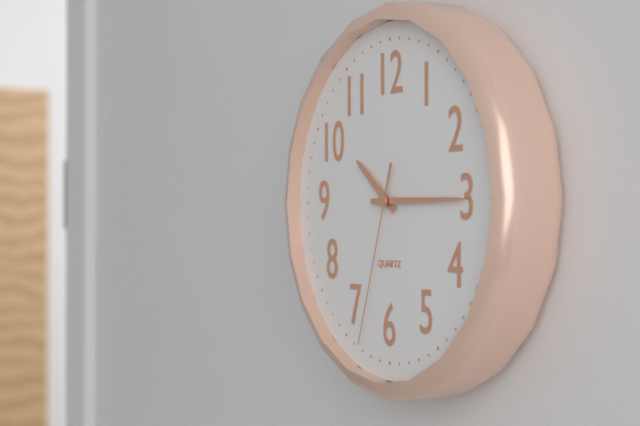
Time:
{"hour": 10, "minute": 15, "second": 33}
